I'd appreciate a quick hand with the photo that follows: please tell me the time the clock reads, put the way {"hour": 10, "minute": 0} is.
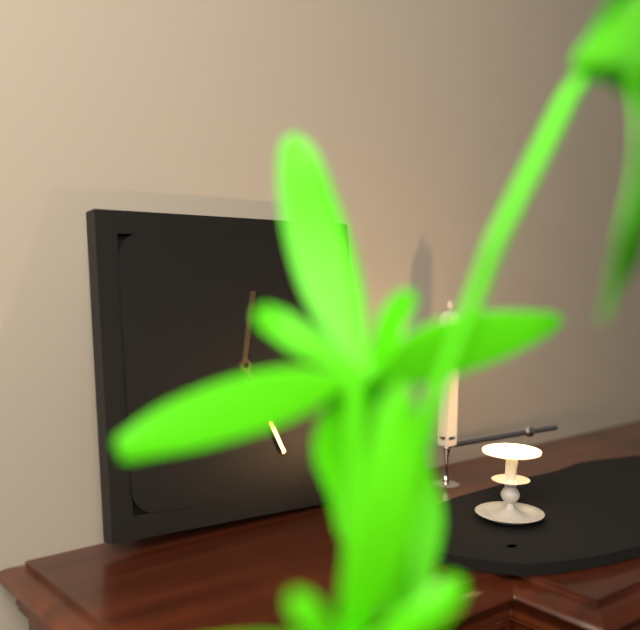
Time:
{"hour": 12, "minute": 26}
